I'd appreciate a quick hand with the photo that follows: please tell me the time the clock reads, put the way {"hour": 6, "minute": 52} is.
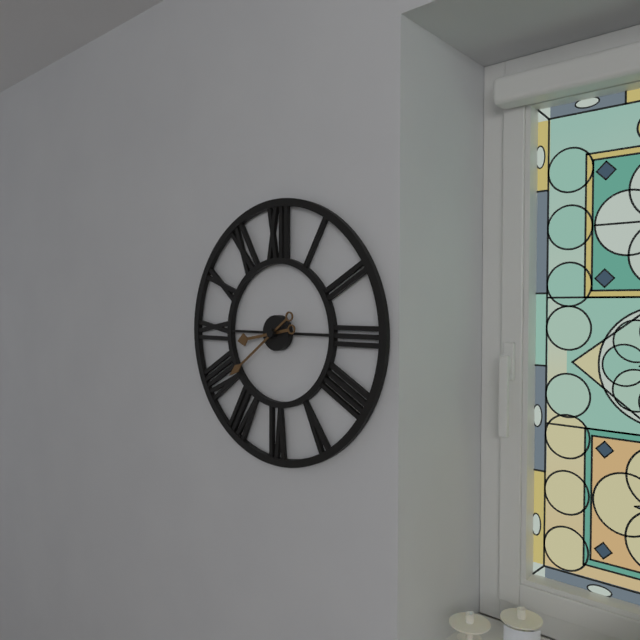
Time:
{"hour": 8, "minute": 39}
